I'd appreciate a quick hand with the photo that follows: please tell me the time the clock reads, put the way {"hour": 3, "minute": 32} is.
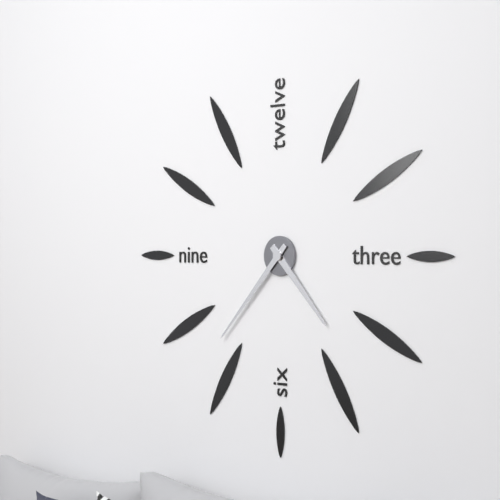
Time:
{"hour": 4, "minute": 37}
